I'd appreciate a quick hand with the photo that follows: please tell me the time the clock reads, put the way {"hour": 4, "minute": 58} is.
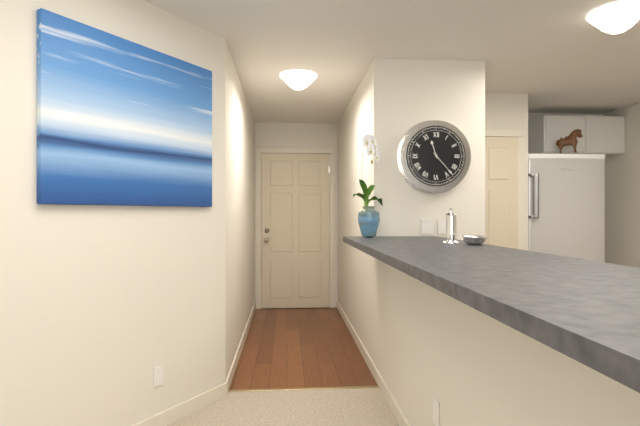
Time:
{"hour": 11, "minute": 23}
